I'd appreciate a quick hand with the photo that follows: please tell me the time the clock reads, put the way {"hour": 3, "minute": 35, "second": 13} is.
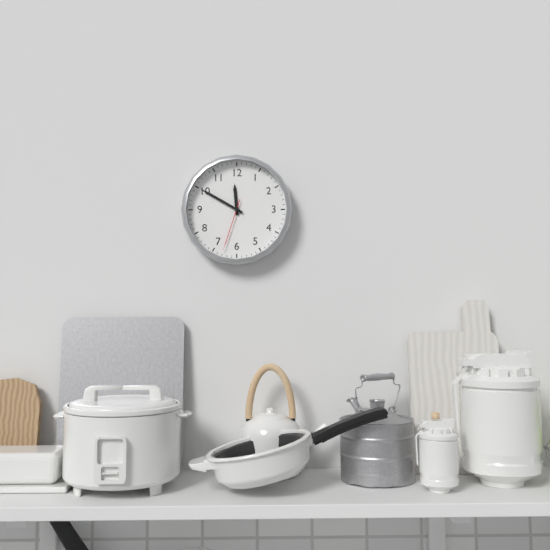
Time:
{"hour": 11, "minute": 50, "second": 33}
